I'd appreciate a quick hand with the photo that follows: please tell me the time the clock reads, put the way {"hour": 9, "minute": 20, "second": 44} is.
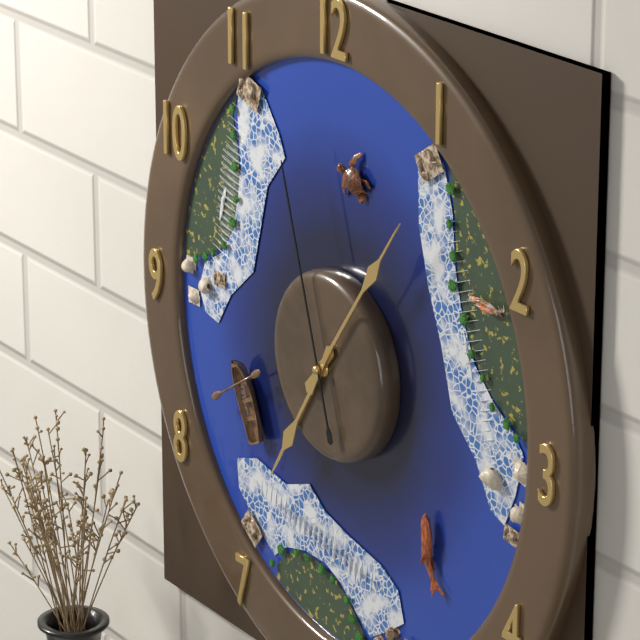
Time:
{"hour": 7, "minute": 6, "second": 57}
